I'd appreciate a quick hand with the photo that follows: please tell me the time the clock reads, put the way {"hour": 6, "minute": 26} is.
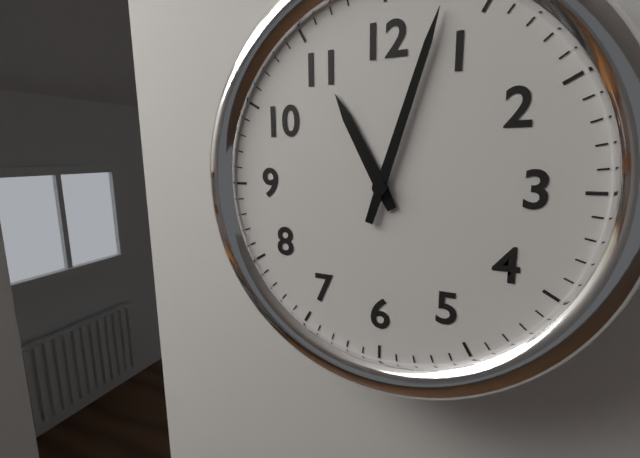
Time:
{"hour": 11, "minute": 3}
